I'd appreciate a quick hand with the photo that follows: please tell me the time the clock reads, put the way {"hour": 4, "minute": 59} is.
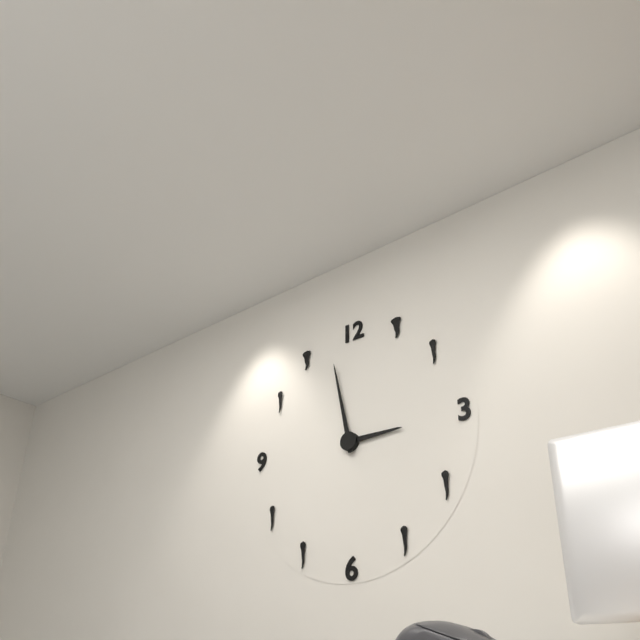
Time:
{"hour": 2, "minute": 58}
